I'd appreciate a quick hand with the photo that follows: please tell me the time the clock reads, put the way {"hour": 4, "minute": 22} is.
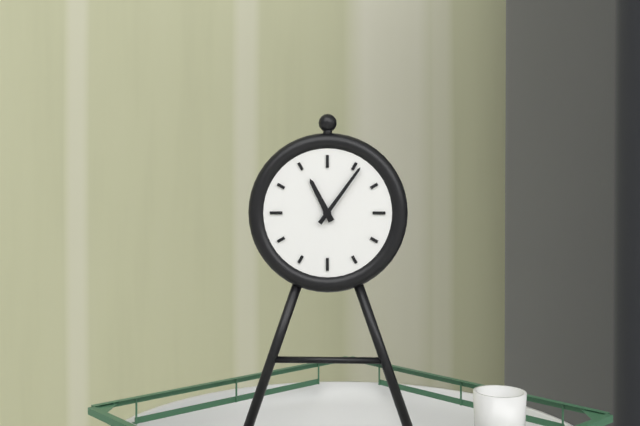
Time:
{"hour": 11, "minute": 6}
